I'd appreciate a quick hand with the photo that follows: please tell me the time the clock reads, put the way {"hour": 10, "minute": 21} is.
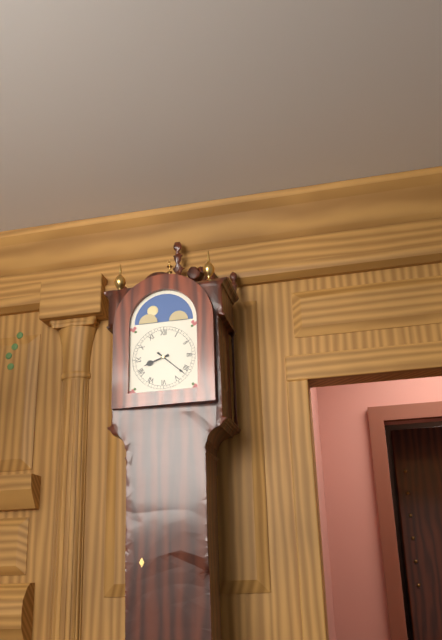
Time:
{"hour": 8, "minute": 22}
